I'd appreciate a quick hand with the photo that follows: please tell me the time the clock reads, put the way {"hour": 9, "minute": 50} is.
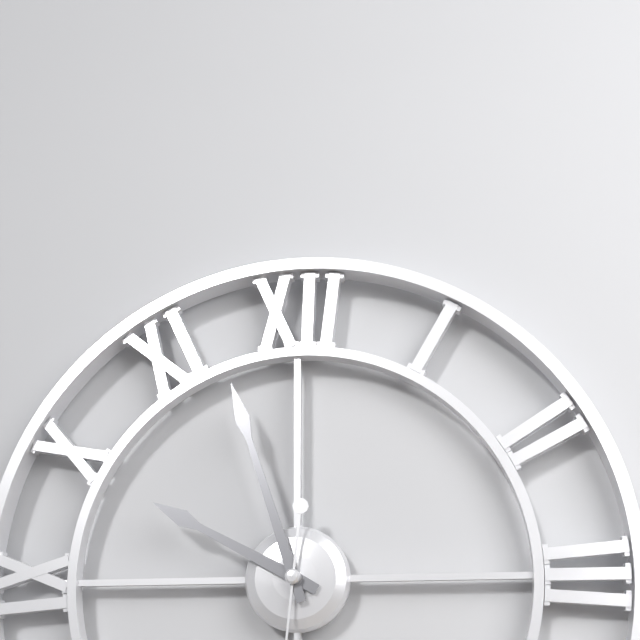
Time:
{"hour": 9, "minute": 57}
